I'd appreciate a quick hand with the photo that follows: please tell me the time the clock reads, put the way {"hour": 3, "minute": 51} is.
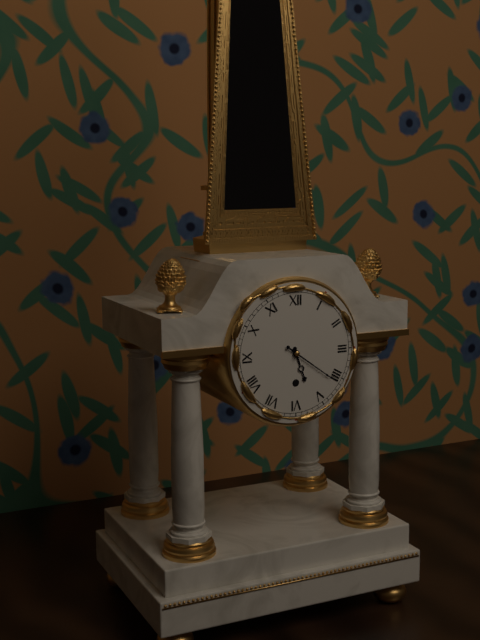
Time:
{"hour": 5, "minute": 21}
